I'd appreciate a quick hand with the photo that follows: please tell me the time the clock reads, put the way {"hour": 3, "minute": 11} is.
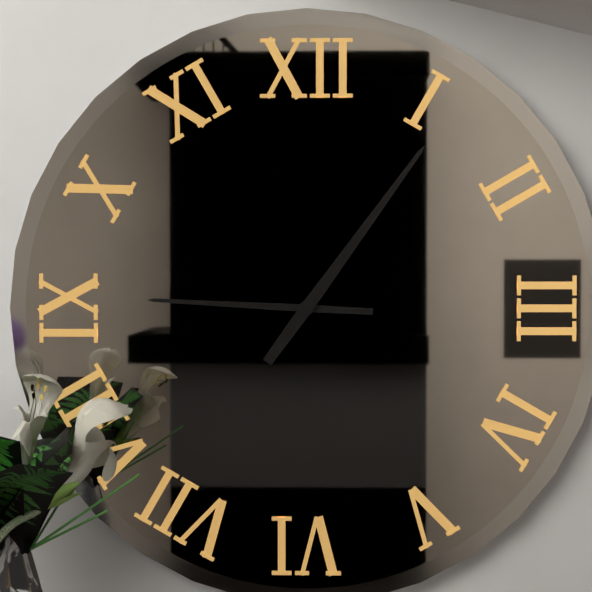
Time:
{"hour": 9, "minute": 6}
